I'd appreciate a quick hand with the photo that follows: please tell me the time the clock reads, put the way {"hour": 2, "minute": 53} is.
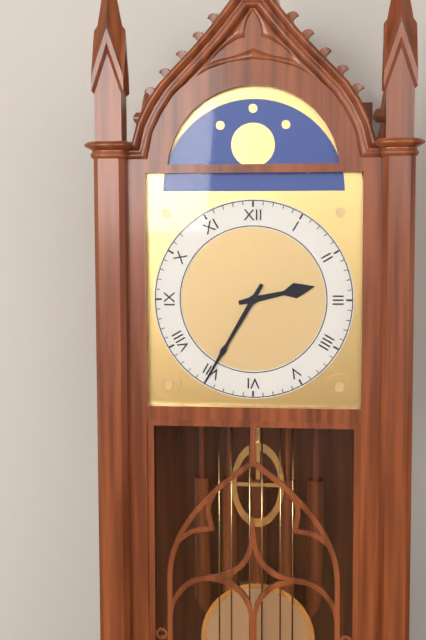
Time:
{"hour": 2, "minute": 35}
